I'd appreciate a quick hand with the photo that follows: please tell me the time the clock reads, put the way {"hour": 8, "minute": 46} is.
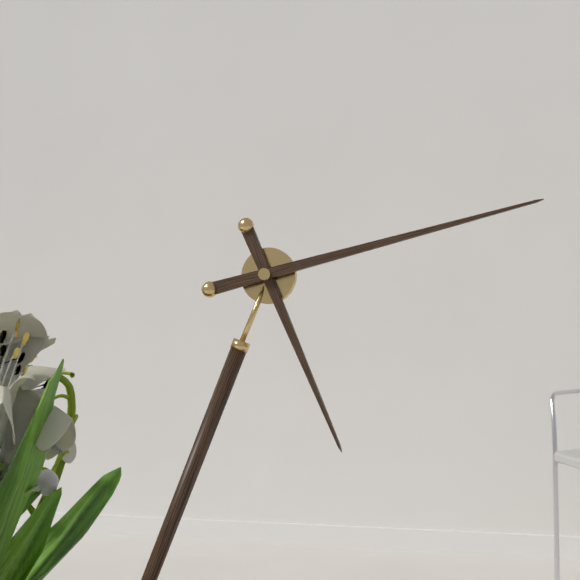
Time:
{"hour": 5, "minute": 13}
